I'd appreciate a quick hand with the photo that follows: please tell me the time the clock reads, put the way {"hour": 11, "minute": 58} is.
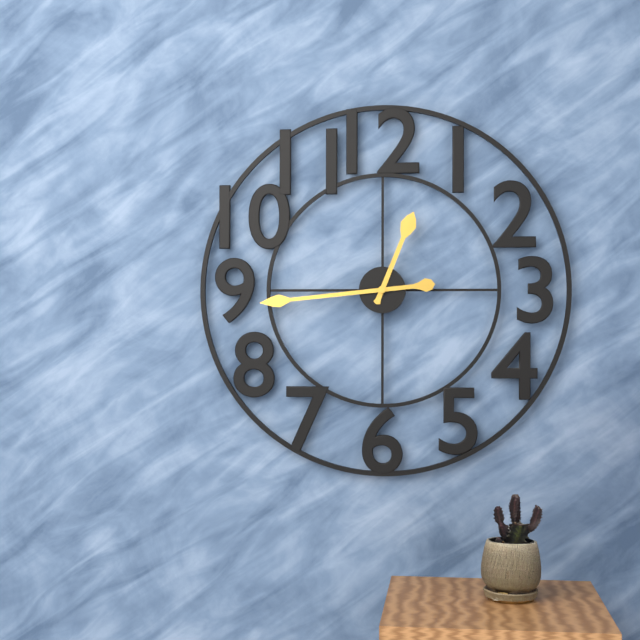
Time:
{"hour": 12, "minute": 44}
